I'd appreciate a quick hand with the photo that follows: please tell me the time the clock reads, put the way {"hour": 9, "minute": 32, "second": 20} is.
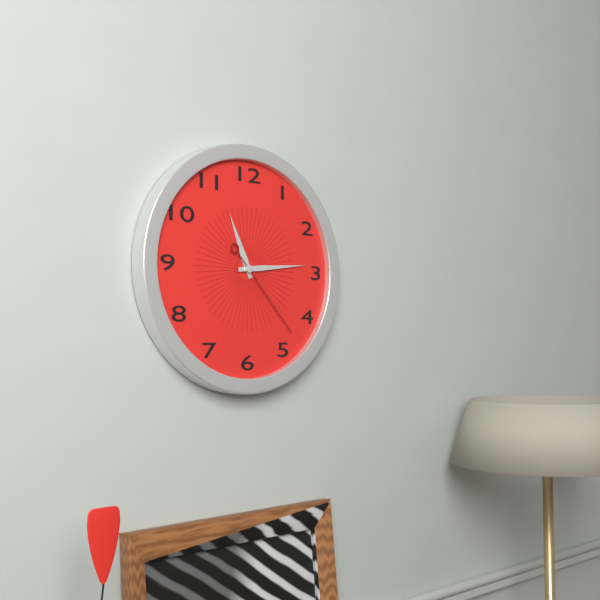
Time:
{"hour": 11, "minute": 14, "second": 23}
